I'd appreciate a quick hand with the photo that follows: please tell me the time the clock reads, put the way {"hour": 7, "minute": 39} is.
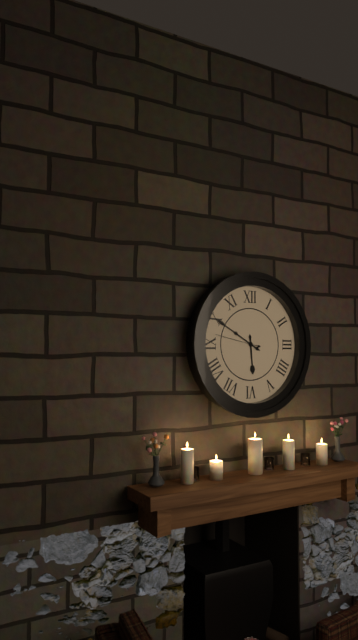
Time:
{"hour": 5, "minute": 50}
